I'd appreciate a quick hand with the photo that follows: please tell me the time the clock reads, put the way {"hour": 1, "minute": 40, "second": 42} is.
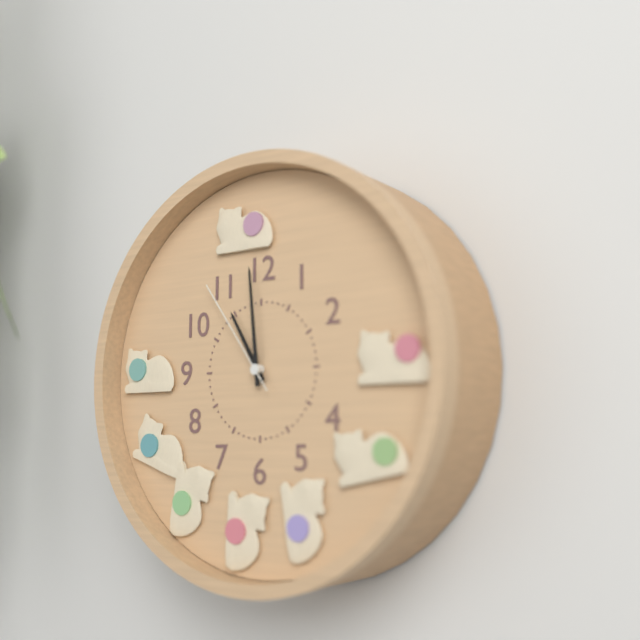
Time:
{"hour": 10, "minute": 59, "second": 54}
